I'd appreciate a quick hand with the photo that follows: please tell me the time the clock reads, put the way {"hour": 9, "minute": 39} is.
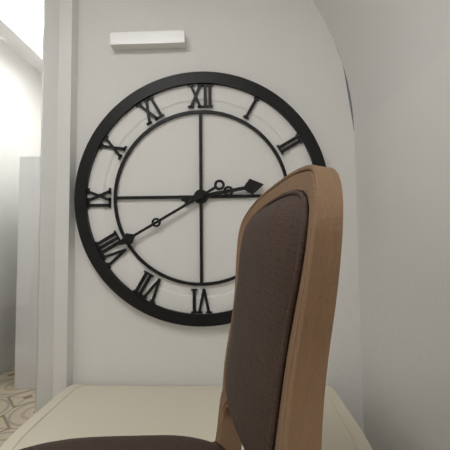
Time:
{"hour": 2, "minute": 40}
